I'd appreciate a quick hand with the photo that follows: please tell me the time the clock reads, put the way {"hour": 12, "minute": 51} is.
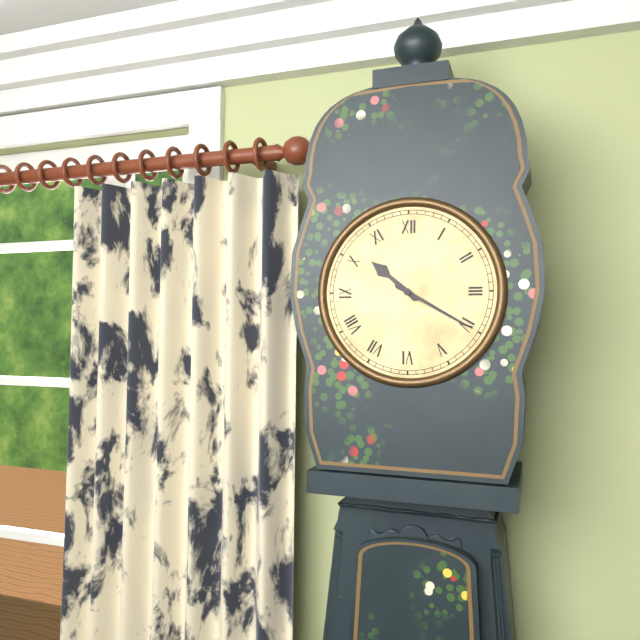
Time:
{"hour": 10, "minute": 20}
